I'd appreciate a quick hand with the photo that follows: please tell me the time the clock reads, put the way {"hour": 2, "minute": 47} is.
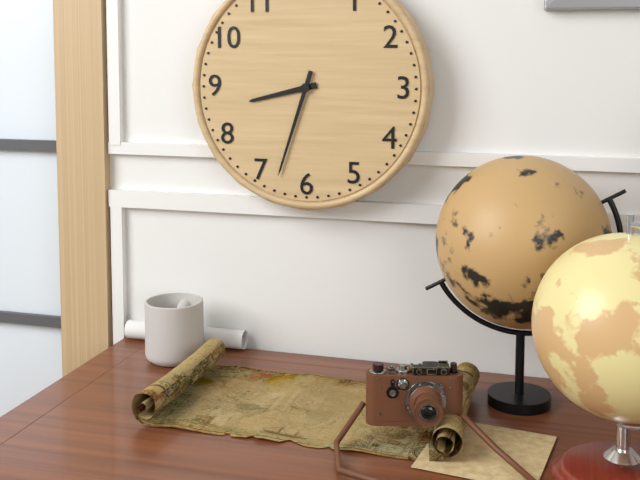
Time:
{"hour": 8, "minute": 33}
